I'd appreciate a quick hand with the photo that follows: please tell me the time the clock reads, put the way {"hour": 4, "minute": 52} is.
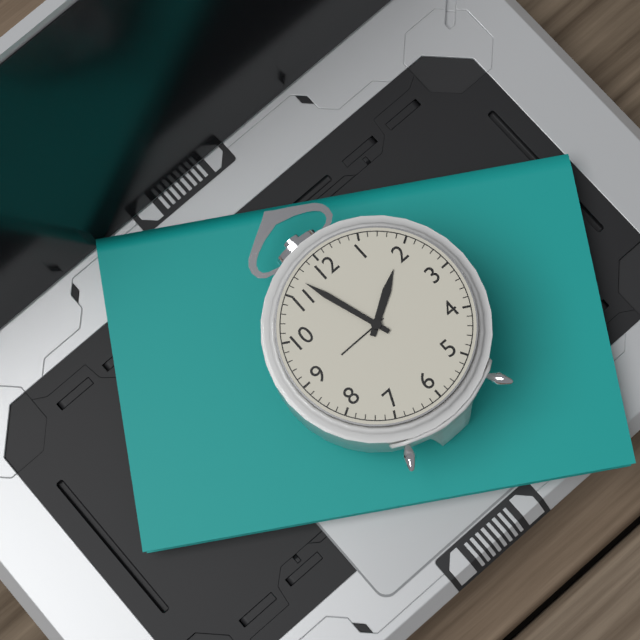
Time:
{"hour": 1, "minute": 57}
